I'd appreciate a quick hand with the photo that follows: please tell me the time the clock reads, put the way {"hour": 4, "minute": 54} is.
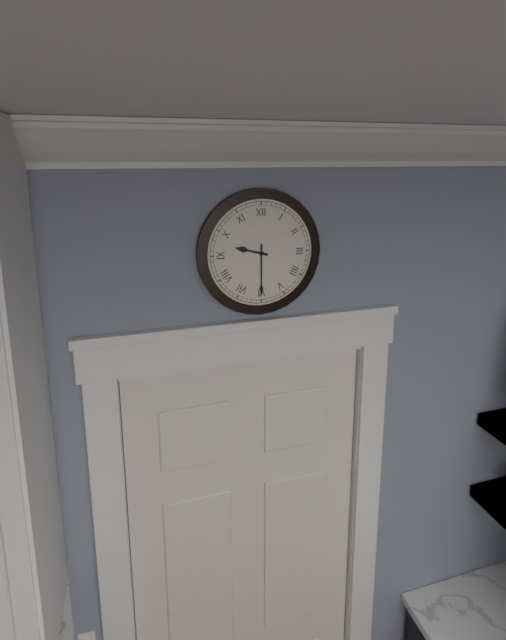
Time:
{"hour": 9, "minute": 30}
